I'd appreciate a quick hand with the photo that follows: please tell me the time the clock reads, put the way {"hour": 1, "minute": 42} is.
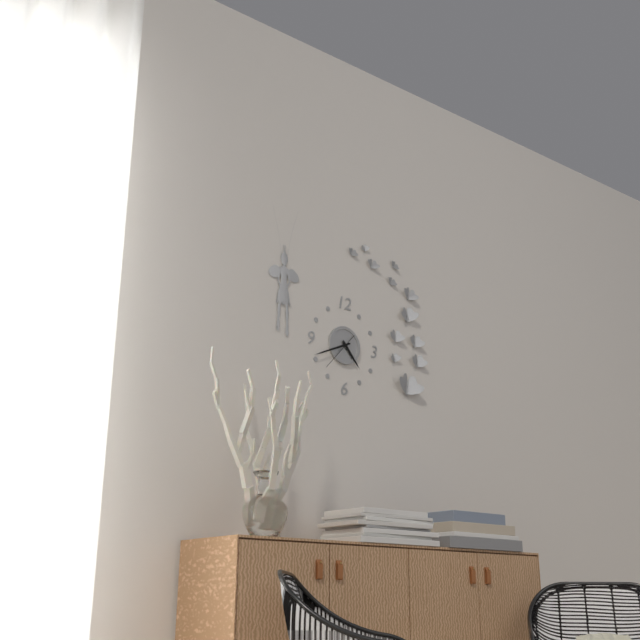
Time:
{"hour": 4, "minute": 41}
